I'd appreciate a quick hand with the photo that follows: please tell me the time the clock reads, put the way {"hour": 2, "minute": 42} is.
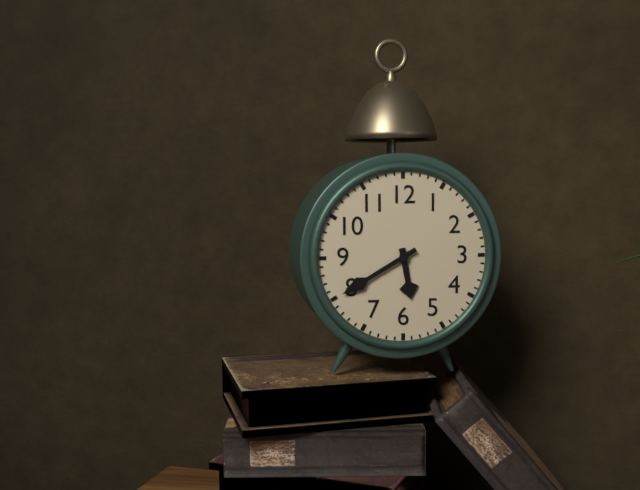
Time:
{"hour": 5, "minute": 40}
